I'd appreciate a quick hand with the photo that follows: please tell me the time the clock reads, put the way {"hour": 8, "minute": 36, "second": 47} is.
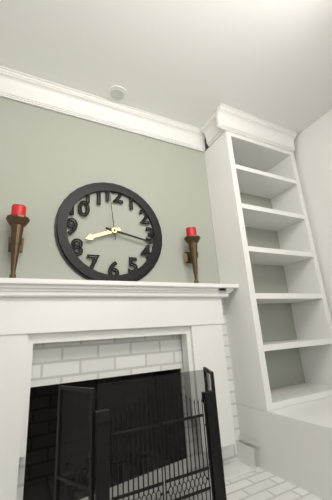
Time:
{"hour": 8, "minute": 17, "second": 59}
